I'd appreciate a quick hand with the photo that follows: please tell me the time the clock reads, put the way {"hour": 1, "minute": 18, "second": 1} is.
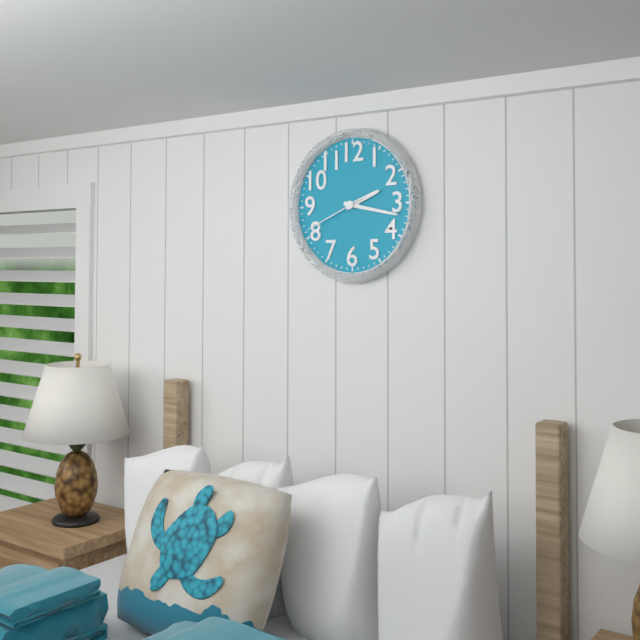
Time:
{"hour": 2, "minute": 17, "second": 41}
